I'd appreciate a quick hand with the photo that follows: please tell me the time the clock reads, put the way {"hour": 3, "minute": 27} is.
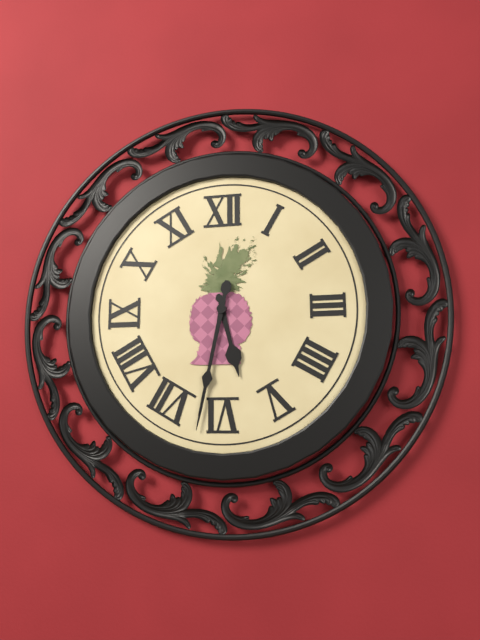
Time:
{"hour": 5, "minute": 32}
